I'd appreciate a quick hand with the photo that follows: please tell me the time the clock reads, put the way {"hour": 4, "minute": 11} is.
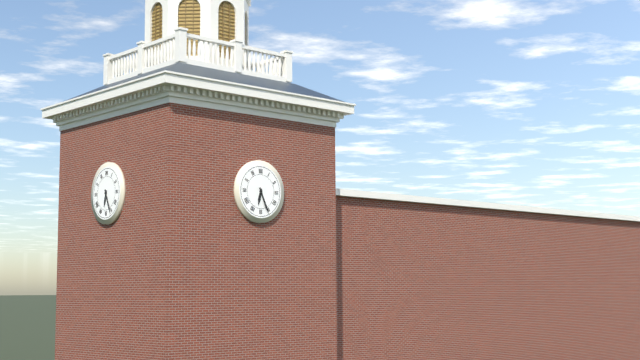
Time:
{"hour": 6, "minute": 26}
